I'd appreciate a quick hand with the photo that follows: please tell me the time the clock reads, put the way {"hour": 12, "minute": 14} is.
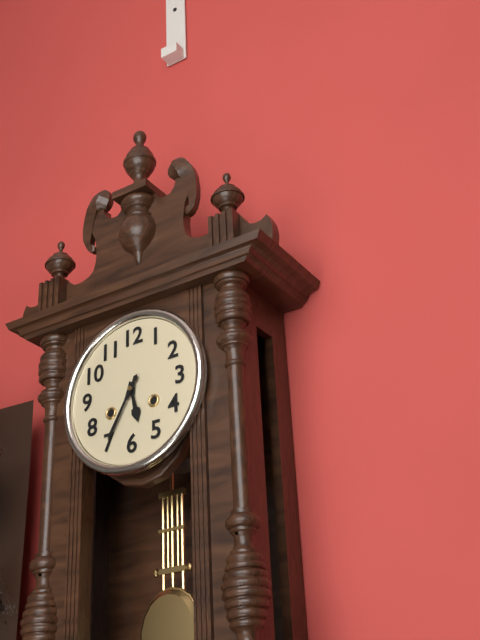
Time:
{"hour": 5, "minute": 35}
